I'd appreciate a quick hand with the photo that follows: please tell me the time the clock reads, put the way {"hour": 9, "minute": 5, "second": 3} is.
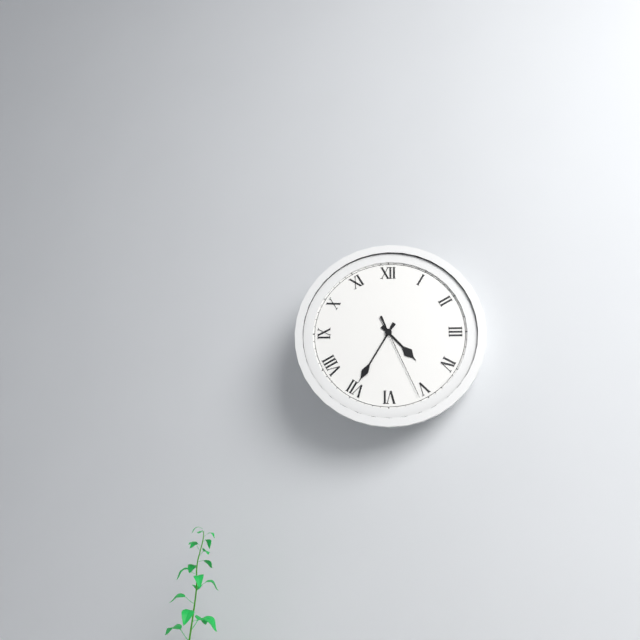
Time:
{"hour": 4, "minute": 35, "second": 26}
